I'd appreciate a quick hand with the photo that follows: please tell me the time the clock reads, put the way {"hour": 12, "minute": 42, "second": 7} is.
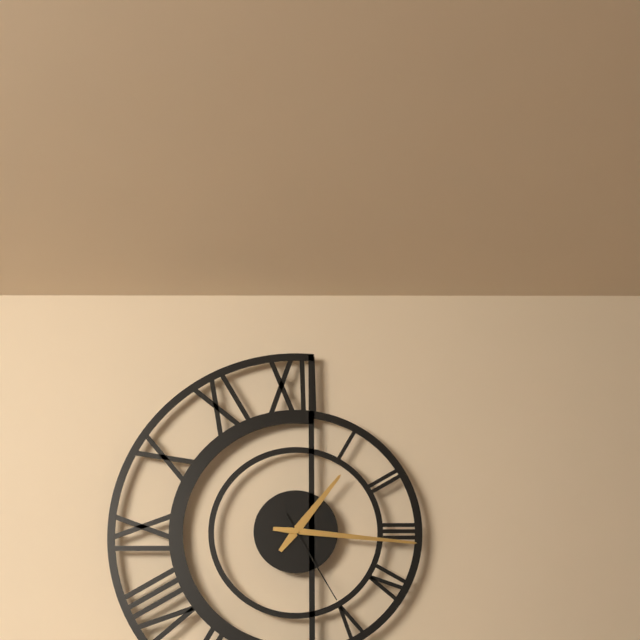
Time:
{"hour": 1, "minute": 16, "second": 25}
